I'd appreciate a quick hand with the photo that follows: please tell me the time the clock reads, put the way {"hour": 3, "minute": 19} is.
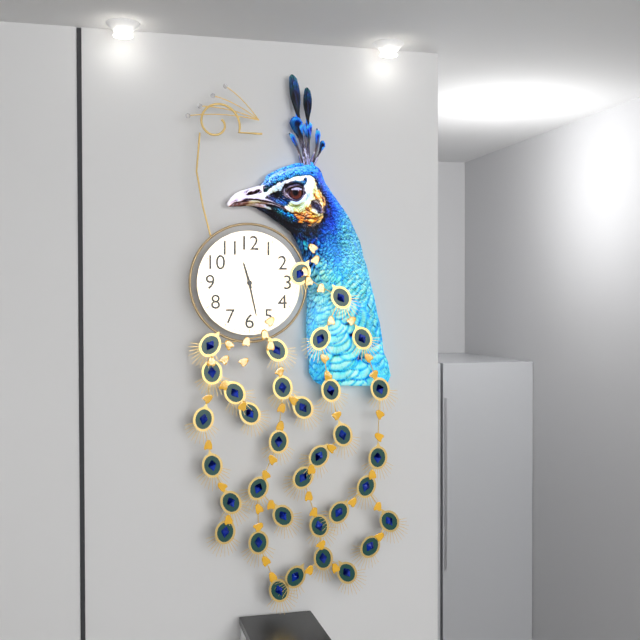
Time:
{"hour": 11, "minute": 28}
